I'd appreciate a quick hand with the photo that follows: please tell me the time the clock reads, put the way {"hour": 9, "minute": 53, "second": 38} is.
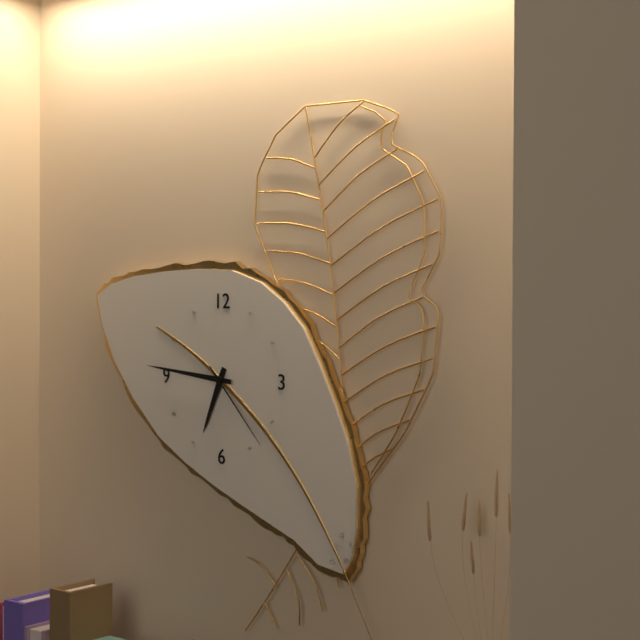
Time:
{"hour": 6, "minute": 46, "second": 23}
